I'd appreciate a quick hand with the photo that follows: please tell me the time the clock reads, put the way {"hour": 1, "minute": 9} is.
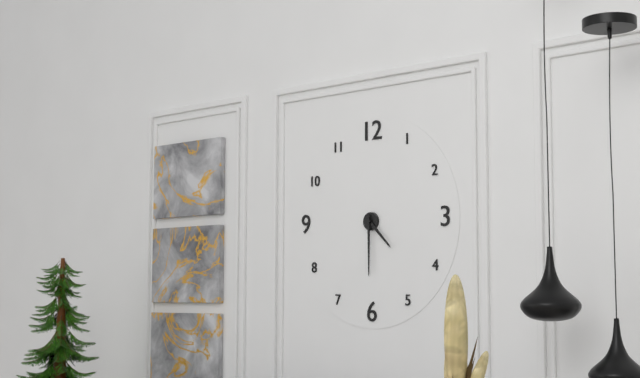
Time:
{"hour": 4, "minute": 30}
